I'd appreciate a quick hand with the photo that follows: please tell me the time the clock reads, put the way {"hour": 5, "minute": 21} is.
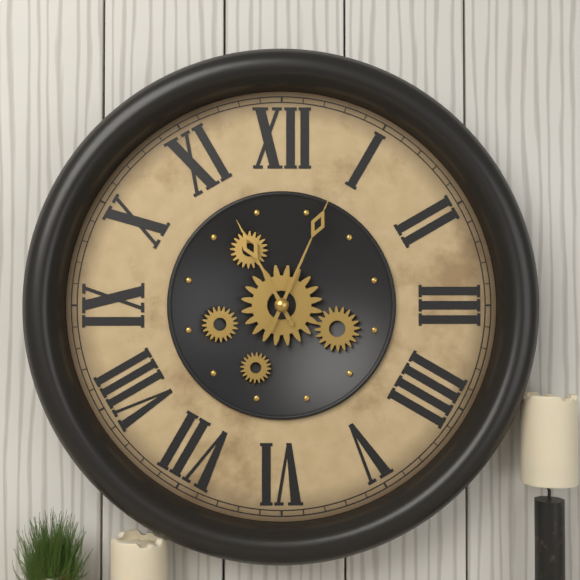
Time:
{"hour": 11, "minute": 4}
